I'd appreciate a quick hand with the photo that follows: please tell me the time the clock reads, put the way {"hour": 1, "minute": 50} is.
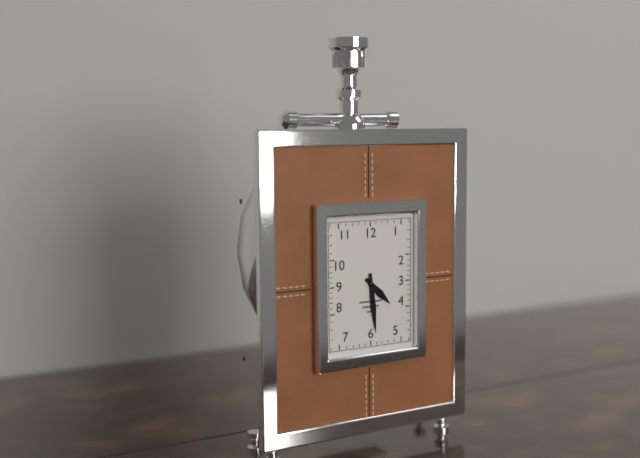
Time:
{"hour": 4, "minute": 29}
